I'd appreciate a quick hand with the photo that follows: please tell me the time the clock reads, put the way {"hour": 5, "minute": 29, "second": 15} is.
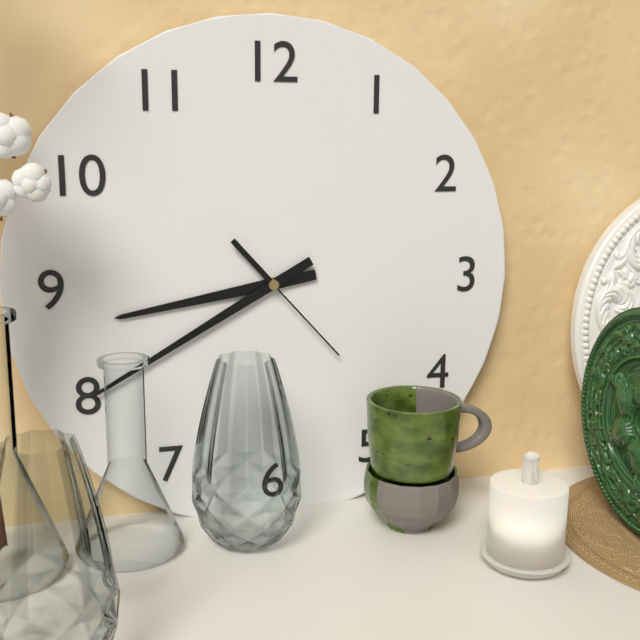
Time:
{"hour": 8, "minute": 40, "second": 23}
